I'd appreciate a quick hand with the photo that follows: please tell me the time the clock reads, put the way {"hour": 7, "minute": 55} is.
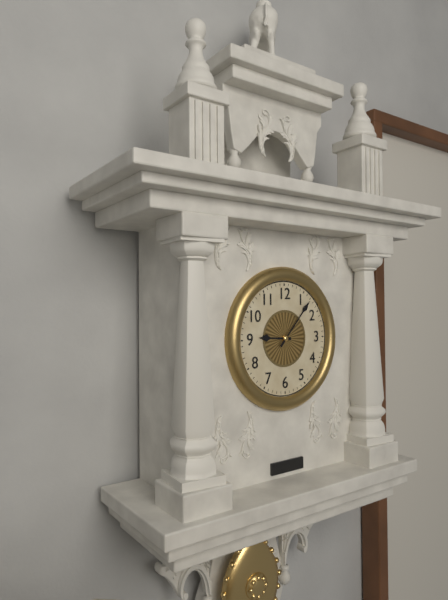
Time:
{"hour": 9, "minute": 7}
